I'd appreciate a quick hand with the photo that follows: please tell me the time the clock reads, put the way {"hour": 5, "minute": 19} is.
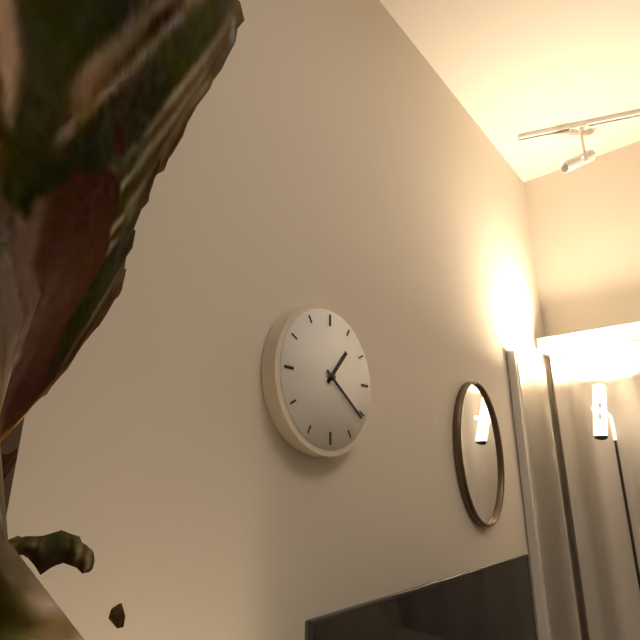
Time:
{"hour": 1, "minute": 21}
